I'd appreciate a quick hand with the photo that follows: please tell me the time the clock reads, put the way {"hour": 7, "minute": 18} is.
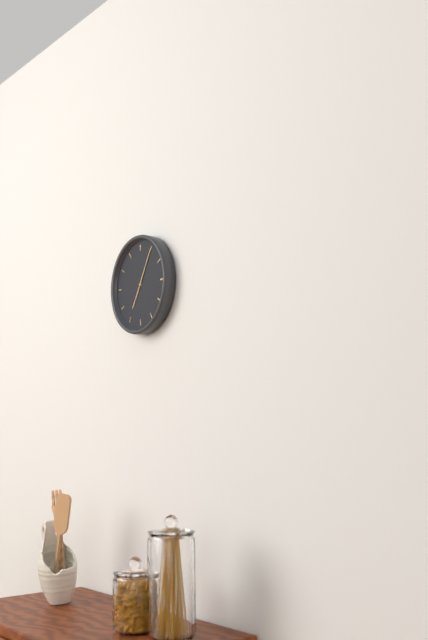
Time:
{"hour": 7, "minute": 5}
